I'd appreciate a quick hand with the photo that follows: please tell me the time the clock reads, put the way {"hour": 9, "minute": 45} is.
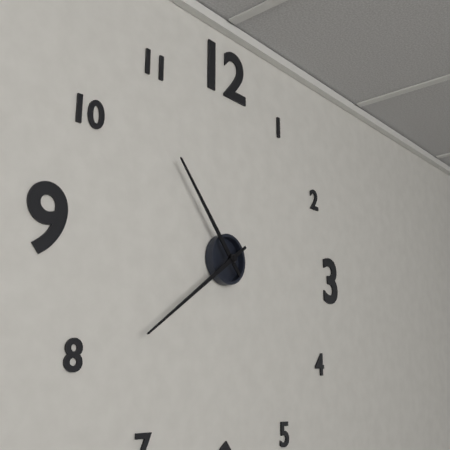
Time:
{"hour": 10, "minute": 39}
